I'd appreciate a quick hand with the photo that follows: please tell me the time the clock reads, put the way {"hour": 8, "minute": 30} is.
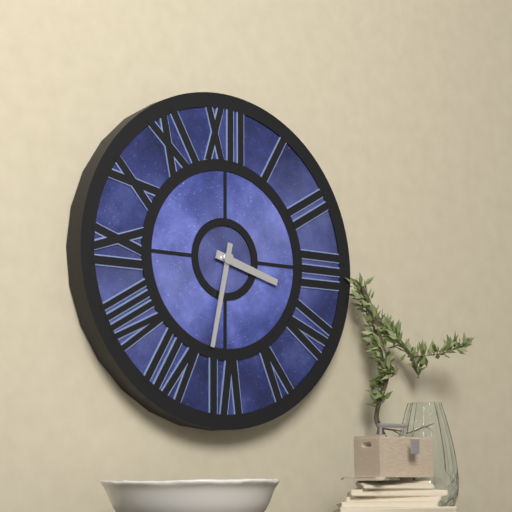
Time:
{"hour": 3, "minute": 32}
